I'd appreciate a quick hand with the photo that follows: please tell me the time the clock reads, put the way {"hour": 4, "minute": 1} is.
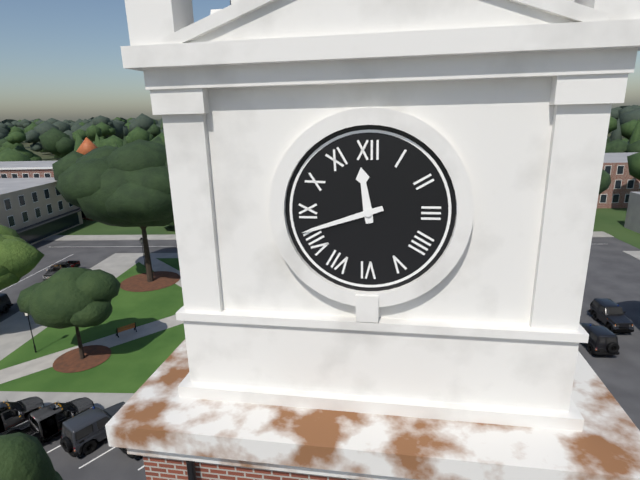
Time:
{"hour": 11, "minute": 42}
